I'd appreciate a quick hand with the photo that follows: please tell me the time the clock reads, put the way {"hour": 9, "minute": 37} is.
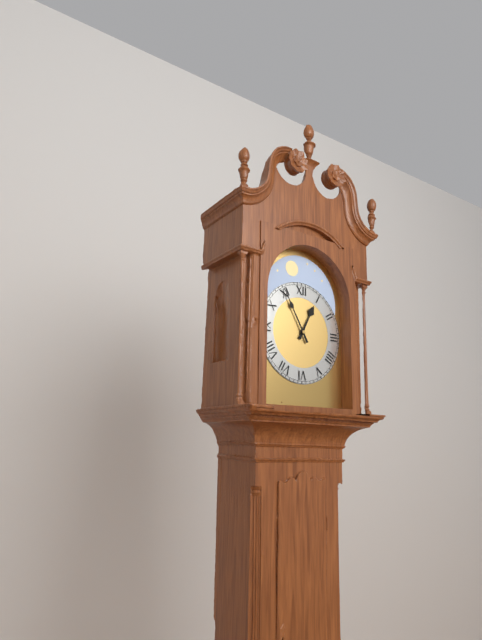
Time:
{"hour": 12, "minute": 55}
